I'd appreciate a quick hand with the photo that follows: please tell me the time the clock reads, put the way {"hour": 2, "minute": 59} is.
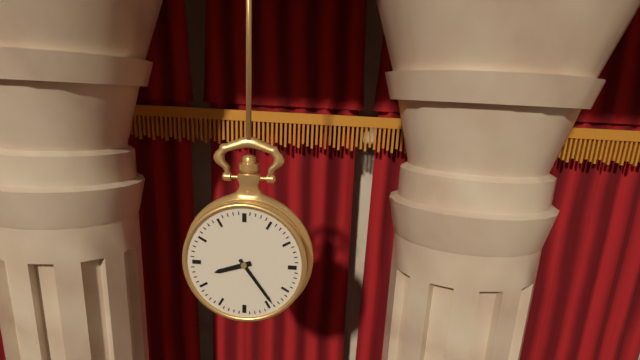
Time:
{"hour": 8, "minute": 24}
